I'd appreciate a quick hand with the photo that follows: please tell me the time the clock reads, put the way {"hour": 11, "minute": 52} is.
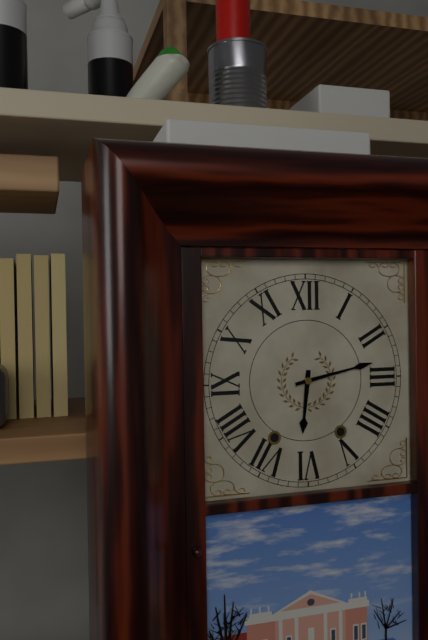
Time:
{"hour": 6, "minute": 13}
